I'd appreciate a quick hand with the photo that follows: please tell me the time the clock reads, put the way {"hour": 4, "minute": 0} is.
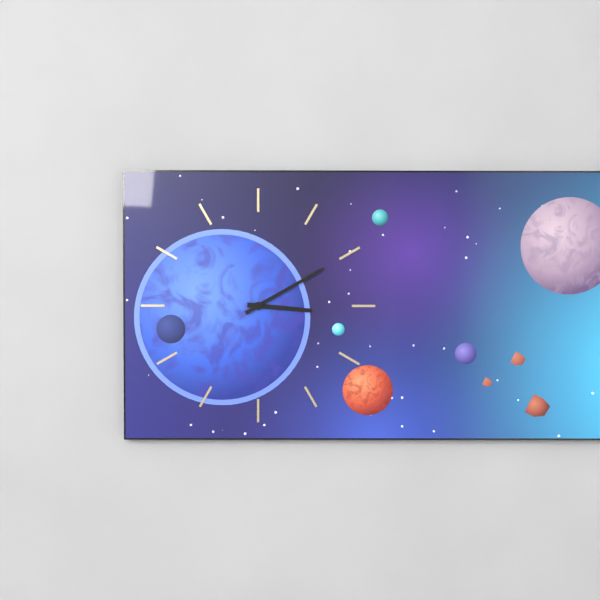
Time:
{"hour": 3, "minute": 10}
